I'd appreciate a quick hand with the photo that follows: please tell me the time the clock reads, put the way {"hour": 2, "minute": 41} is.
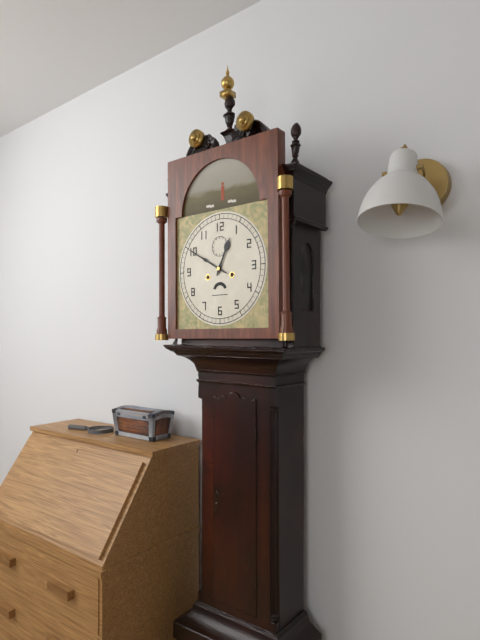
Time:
{"hour": 12, "minute": 50}
